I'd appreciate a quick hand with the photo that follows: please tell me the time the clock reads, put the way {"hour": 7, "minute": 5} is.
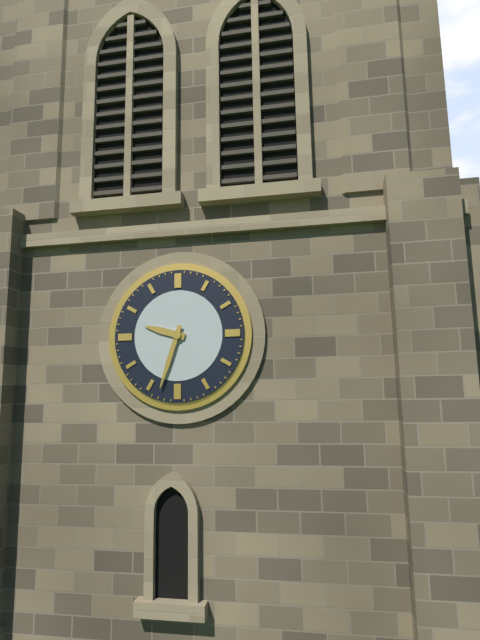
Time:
{"hour": 9, "minute": 33}
